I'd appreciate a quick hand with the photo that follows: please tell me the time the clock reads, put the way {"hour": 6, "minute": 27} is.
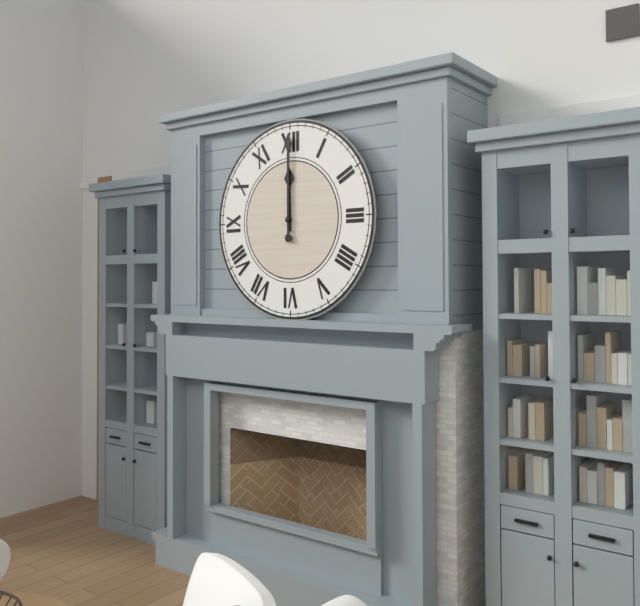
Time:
{"hour": 12, "minute": 0}
